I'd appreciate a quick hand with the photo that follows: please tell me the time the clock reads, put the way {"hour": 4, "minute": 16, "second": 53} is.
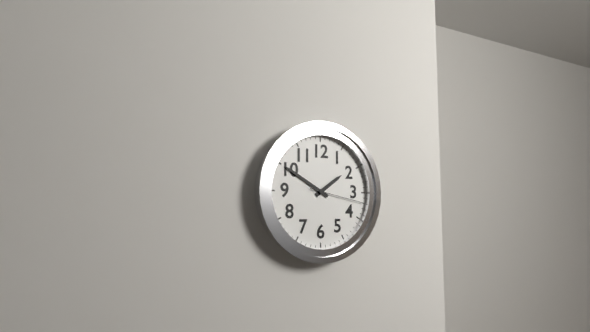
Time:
{"hour": 1, "minute": 50, "second": 17}
